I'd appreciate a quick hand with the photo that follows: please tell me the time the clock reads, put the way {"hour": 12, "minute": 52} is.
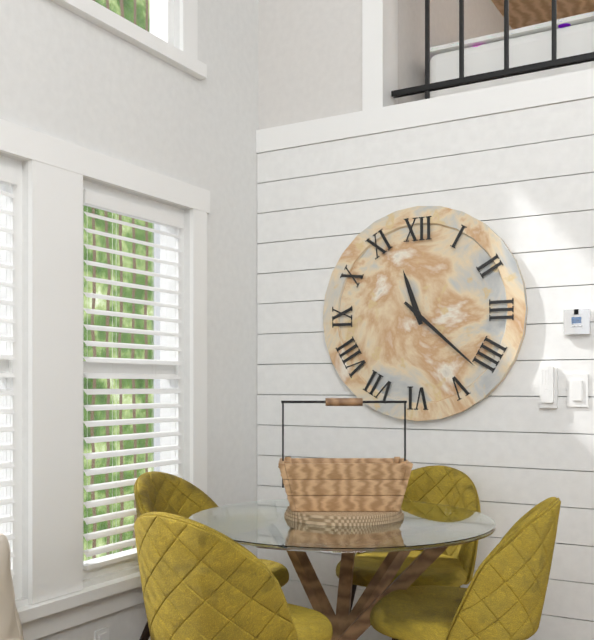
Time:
{"hour": 11, "minute": 22}
